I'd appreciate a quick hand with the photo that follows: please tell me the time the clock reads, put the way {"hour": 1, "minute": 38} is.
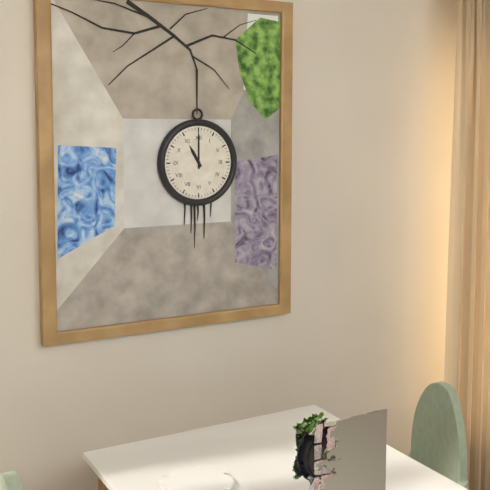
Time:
{"hour": 11, "minute": 0}
